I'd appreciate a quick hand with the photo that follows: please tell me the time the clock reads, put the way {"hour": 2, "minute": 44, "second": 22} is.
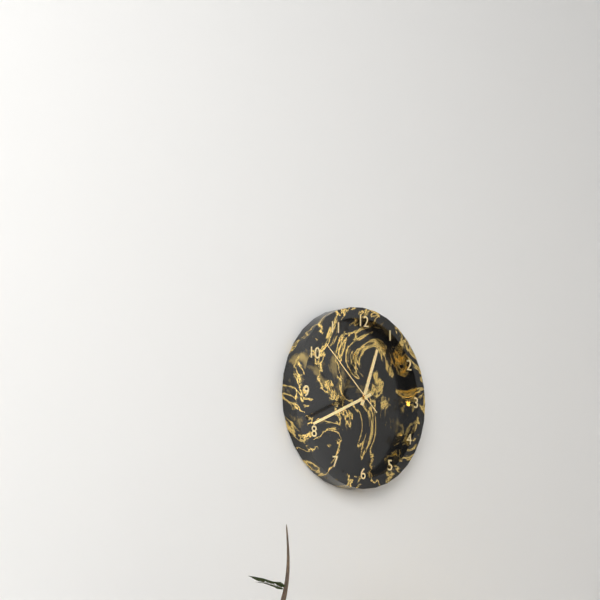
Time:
{"hour": 12, "minute": 41, "second": 52}
